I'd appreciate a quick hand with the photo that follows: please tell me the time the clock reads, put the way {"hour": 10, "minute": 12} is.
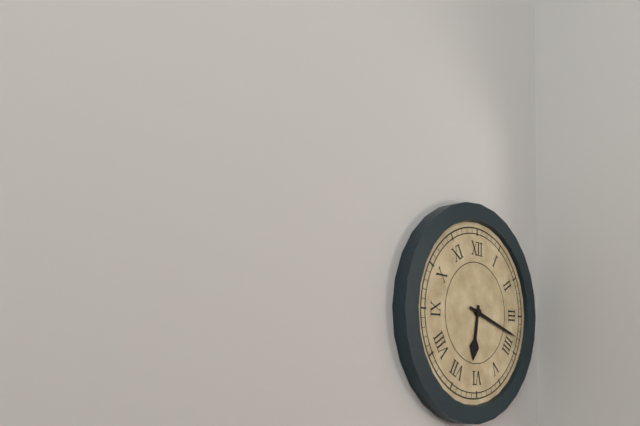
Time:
{"hour": 6, "minute": 18}
